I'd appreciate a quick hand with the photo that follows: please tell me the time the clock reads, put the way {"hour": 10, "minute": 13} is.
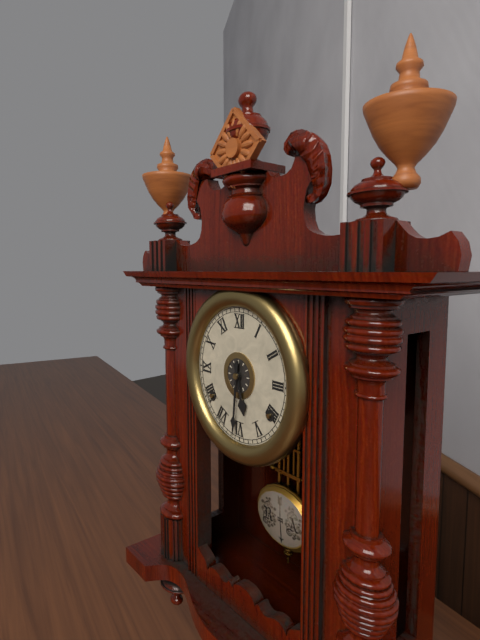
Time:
{"hour": 5, "minute": 31}
